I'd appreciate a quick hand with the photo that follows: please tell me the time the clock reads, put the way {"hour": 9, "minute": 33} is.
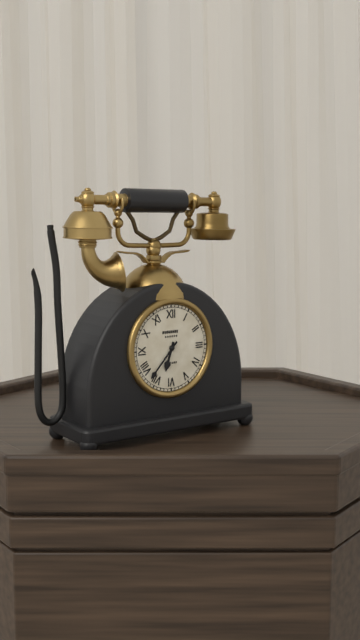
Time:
{"hour": 6, "minute": 37}
